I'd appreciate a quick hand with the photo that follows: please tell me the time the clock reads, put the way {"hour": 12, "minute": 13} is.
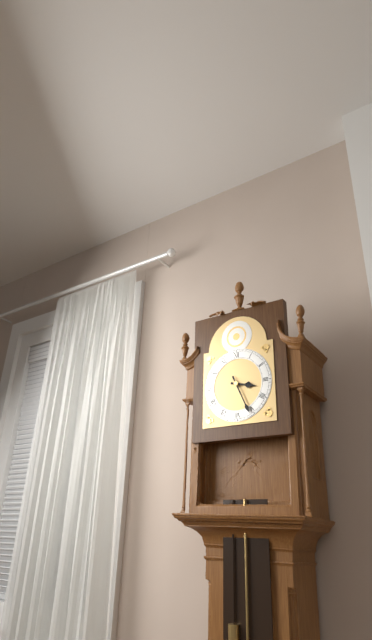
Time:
{"hour": 3, "minute": 26}
